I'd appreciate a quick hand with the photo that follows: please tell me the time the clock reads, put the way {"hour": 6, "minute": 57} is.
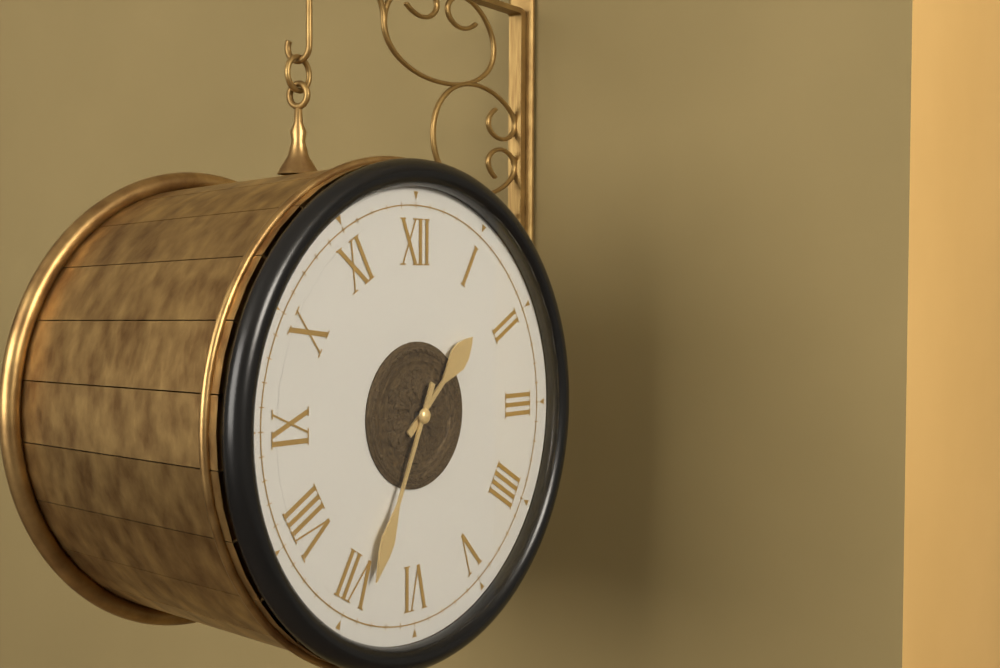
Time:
{"hour": 1, "minute": 34}
